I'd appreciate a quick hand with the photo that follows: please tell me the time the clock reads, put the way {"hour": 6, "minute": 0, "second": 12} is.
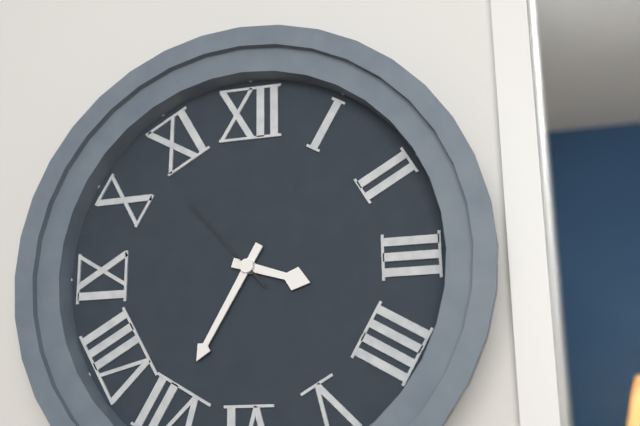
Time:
{"hour": 3, "minute": 35, "second": 53}
